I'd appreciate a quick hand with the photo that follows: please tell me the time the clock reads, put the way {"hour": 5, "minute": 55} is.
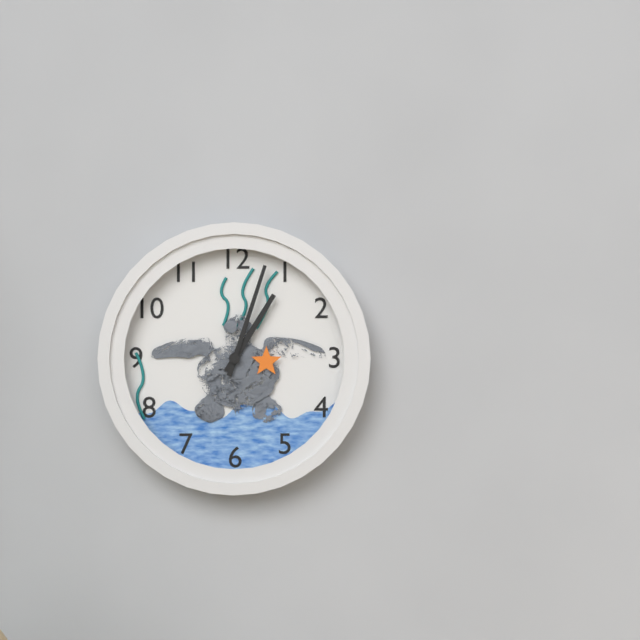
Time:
{"hour": 1, "minute": 3}
